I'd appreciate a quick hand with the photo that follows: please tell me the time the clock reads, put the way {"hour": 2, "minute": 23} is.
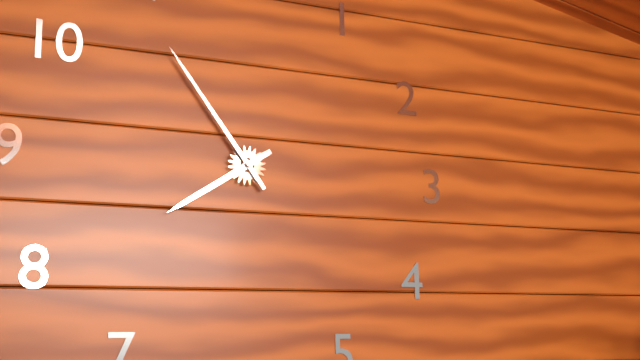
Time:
{"hour": 7, "minute": 54}
